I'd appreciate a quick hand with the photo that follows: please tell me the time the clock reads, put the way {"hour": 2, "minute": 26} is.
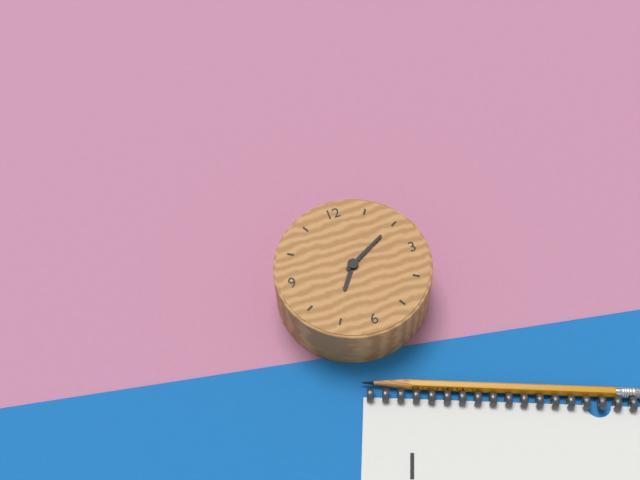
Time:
{"hour": 7, "minute": 10}
